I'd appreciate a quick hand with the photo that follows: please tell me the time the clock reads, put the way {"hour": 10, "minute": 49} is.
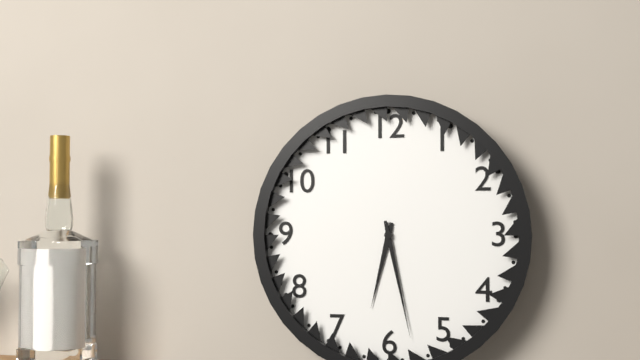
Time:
{"hour": 6, "minute": 28}
